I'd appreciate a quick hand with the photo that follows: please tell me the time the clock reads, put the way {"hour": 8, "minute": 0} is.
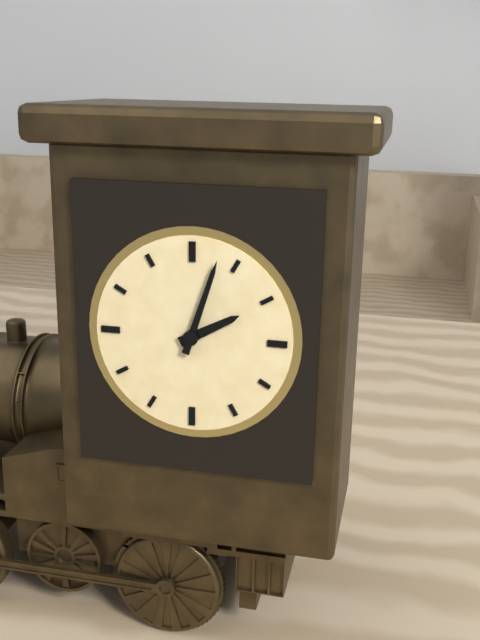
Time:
{"hour": 2, "minute": 3}
